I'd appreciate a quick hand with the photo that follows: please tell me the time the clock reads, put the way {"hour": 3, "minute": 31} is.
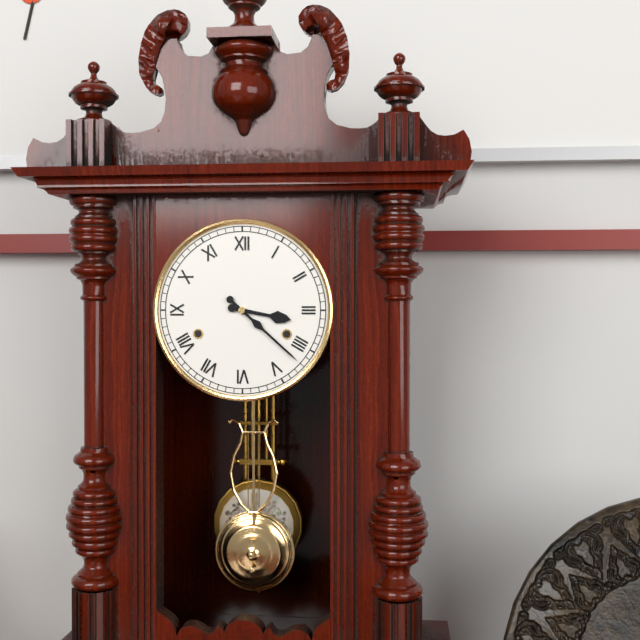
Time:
{"hour": 3, "minute": 22}
